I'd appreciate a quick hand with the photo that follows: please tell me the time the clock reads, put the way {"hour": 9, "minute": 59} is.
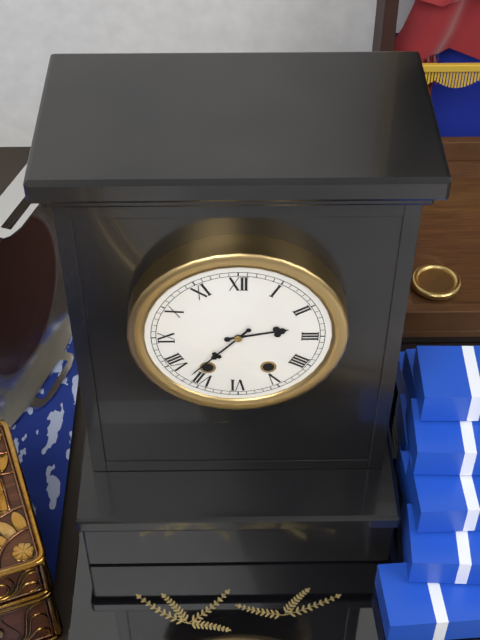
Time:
{"hour": 2, "minute": 37}
